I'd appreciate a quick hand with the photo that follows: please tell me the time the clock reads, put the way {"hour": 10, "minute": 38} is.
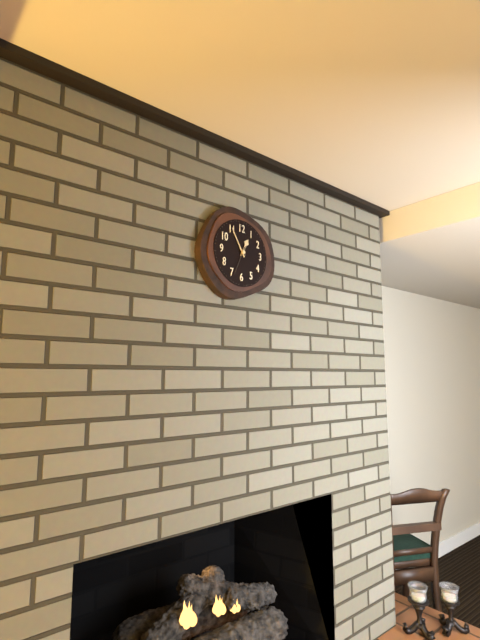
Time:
{"hour": 12, "minute": 55}
